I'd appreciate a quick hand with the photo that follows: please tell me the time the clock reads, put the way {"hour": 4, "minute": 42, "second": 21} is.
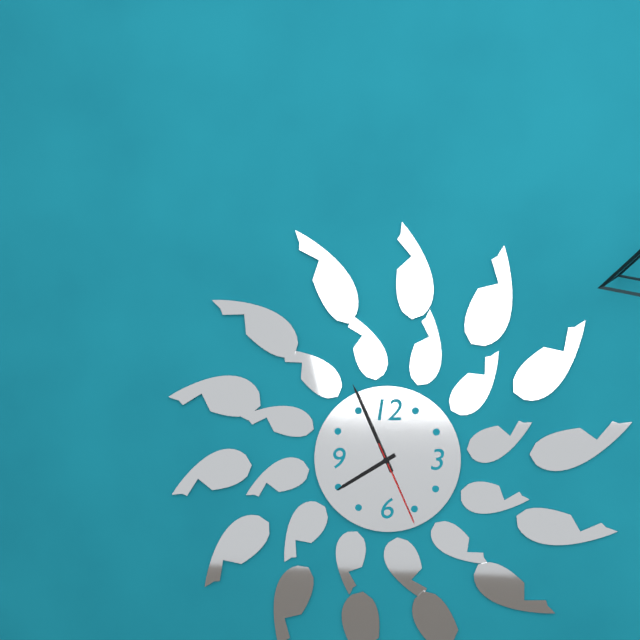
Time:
{"hour": 7, "minute": 56, "second": 26}
